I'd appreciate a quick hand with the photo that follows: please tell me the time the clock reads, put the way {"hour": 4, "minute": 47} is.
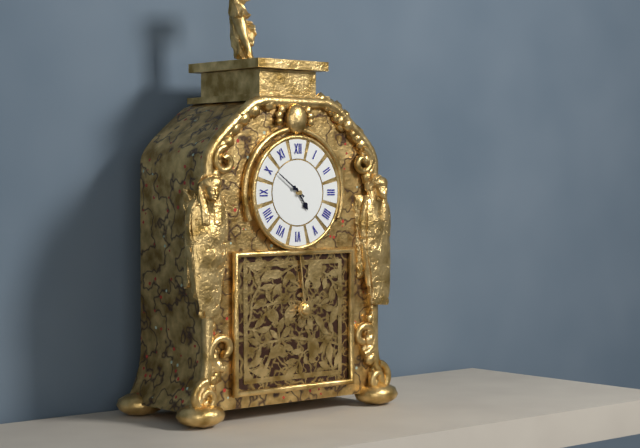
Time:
{"hour": 4, "minute": 51}
